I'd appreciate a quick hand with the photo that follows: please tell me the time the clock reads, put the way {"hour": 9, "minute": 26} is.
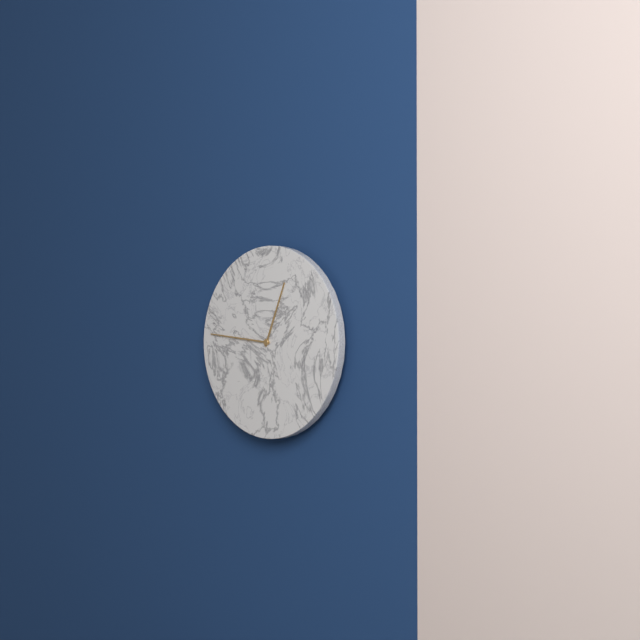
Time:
{"hour": 12, "minute": 46}
